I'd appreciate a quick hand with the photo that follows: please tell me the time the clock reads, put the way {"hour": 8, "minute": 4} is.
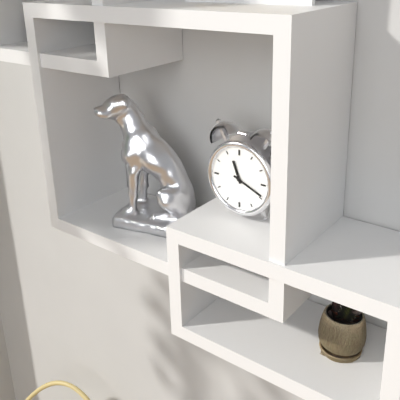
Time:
{"hour": 11, "minute": 19}
